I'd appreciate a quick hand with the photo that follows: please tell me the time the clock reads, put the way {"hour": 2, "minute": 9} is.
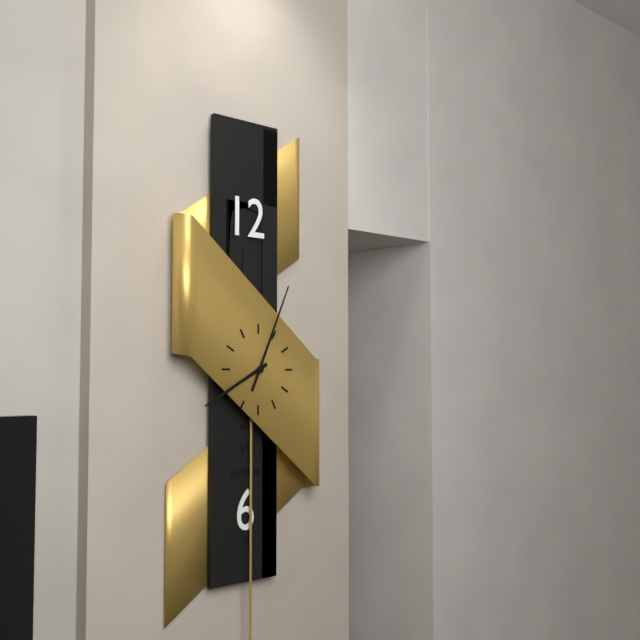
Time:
{"hour": 8, "minute": 4}
